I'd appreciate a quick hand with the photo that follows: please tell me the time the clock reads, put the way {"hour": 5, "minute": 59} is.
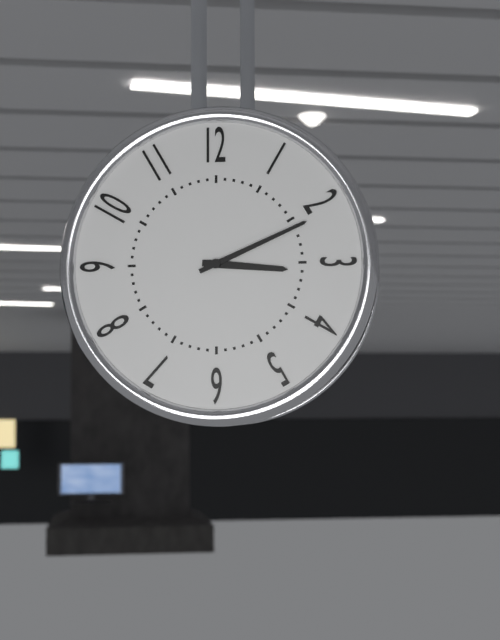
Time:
{"hour": 3, "minute": 11}
